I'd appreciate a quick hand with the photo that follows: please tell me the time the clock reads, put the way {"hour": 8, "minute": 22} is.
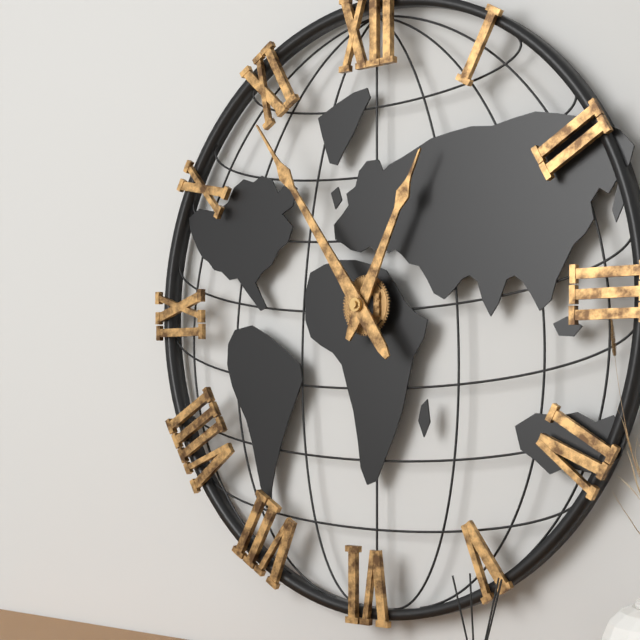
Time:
{"hour": 12, "minute": 54}
